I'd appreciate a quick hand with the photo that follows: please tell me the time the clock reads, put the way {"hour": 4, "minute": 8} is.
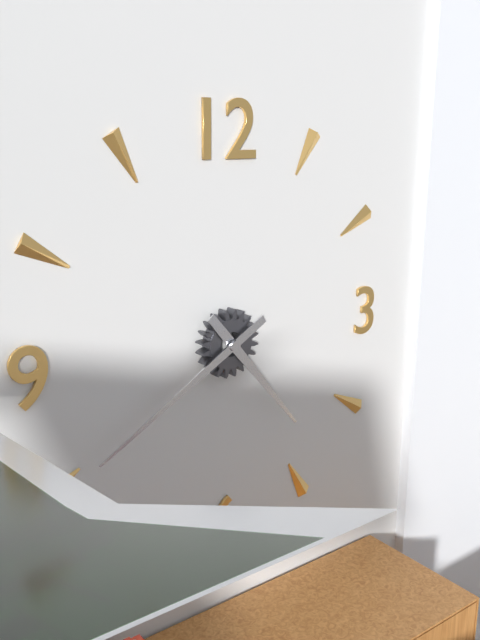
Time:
{"hour": 4, "minute": 40}
